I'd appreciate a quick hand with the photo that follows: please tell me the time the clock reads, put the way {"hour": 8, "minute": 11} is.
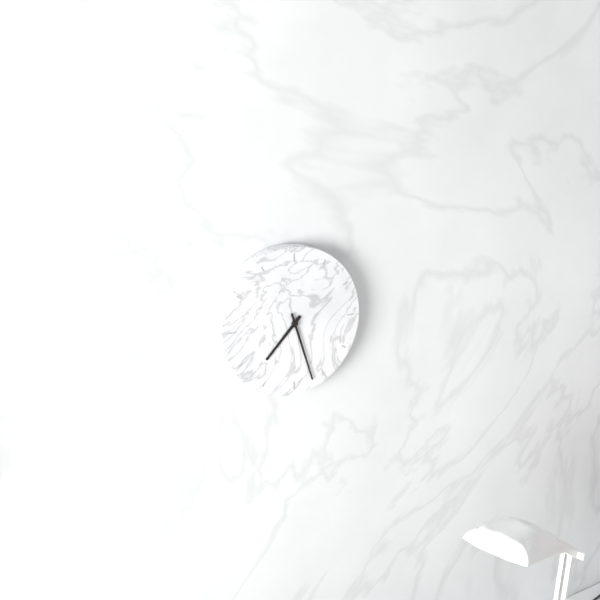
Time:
{"hour": 7, "minute": 27}
